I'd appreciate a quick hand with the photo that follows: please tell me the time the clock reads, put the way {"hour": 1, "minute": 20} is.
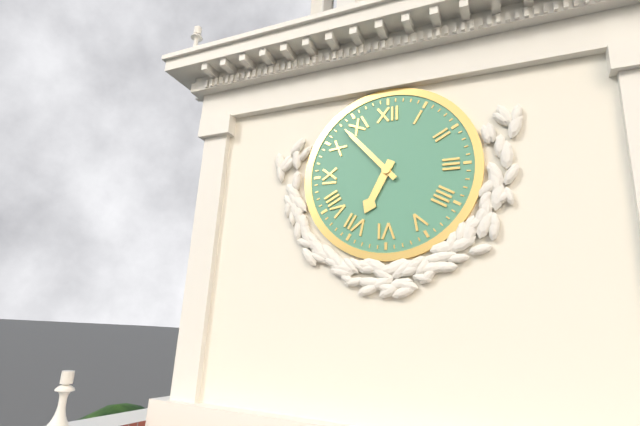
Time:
{"hour": 6, "minute": 53}
